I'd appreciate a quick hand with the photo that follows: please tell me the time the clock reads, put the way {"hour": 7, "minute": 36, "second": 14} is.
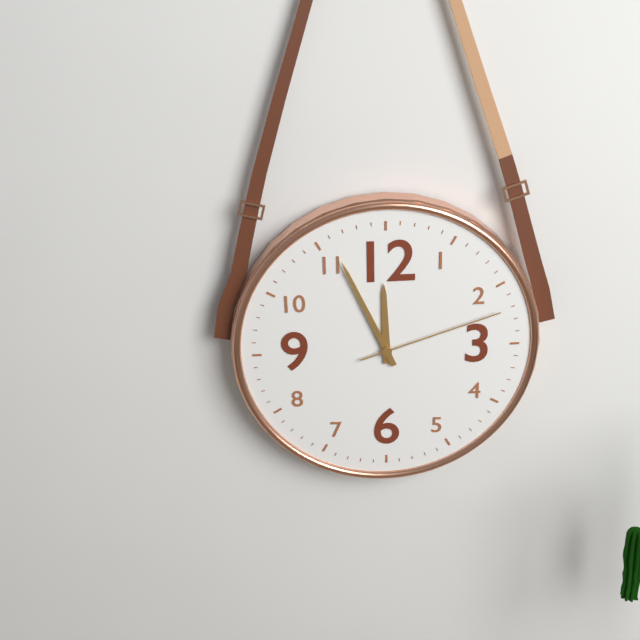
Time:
{"hour": 11, "minute": 56, "second": 12}
